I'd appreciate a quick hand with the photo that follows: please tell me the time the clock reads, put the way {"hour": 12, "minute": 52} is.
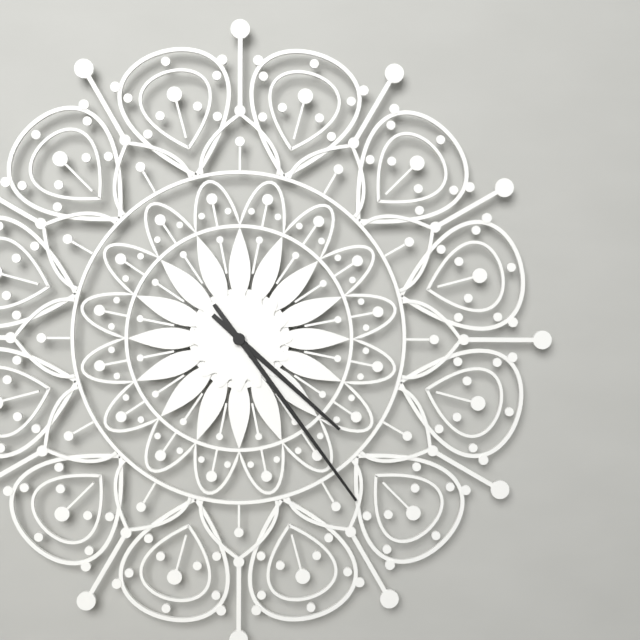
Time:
{"hour": 4, "minute": 24}
